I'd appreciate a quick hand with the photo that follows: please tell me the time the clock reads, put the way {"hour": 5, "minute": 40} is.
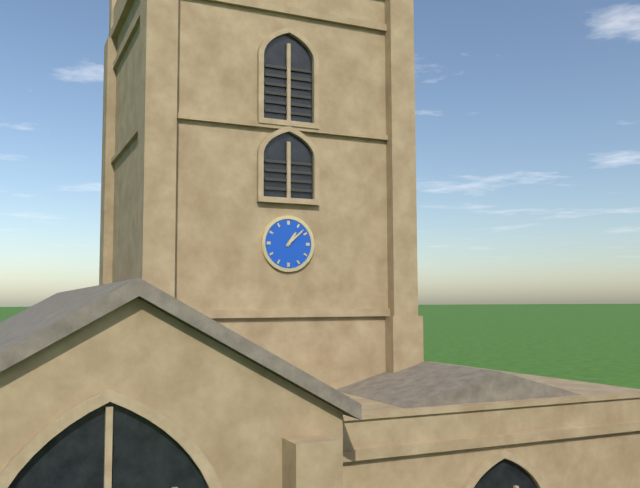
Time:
{"hour": 1, "minute": 8}
